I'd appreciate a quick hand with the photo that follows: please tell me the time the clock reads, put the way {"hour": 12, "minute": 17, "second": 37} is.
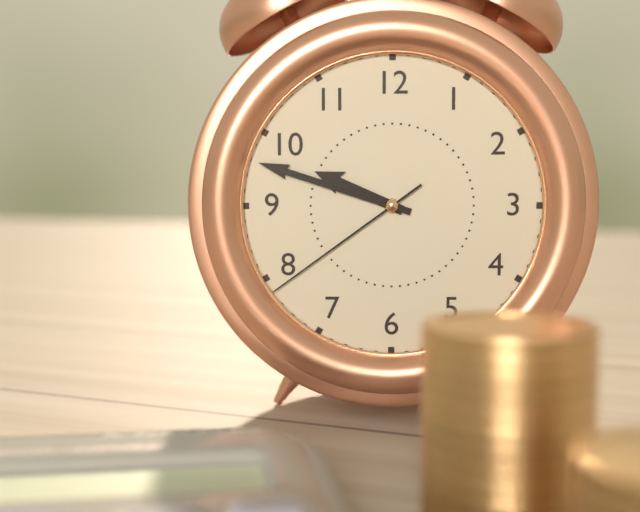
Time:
{"hour": 9, "minute": 48, "second": 39}
